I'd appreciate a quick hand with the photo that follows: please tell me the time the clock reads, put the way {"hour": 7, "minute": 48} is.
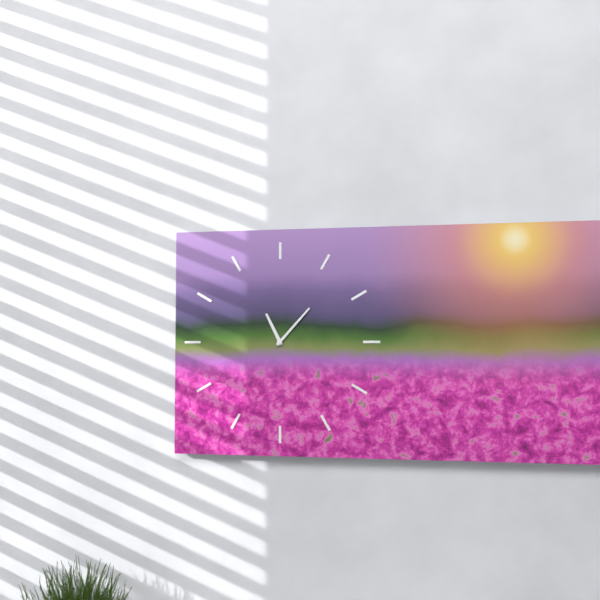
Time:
{"hour": 11, "minute": 7}
